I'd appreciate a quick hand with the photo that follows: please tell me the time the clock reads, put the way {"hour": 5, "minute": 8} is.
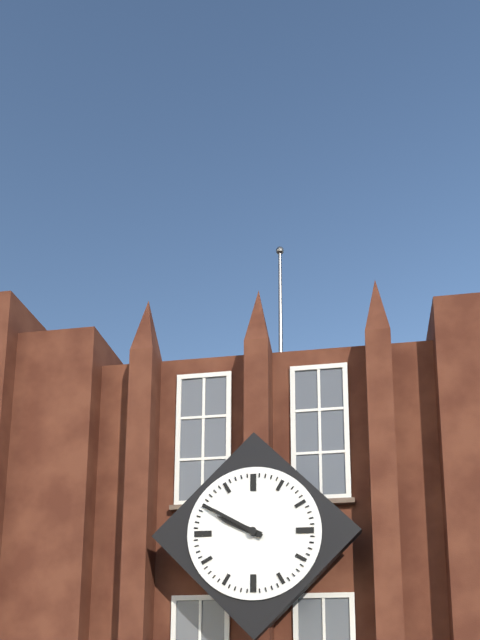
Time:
{"hour": 9, "minute": 50}
